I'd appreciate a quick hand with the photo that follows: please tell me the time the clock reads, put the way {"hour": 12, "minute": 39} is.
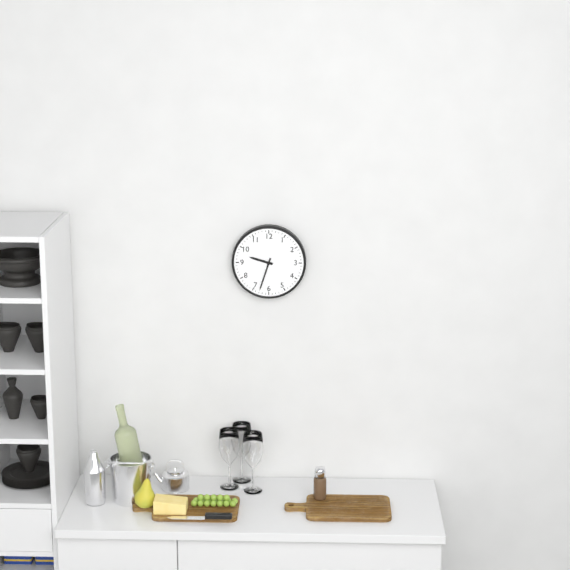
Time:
{"hour": 9, "minute": 33}
